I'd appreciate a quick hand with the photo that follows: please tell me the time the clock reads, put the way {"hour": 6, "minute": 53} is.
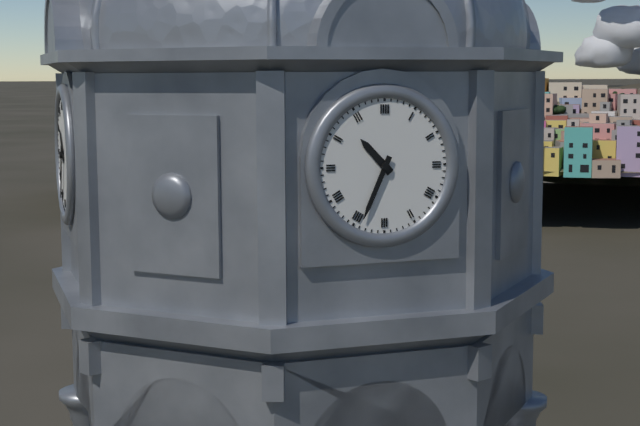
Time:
{"hour": 10, "minute": 34}
